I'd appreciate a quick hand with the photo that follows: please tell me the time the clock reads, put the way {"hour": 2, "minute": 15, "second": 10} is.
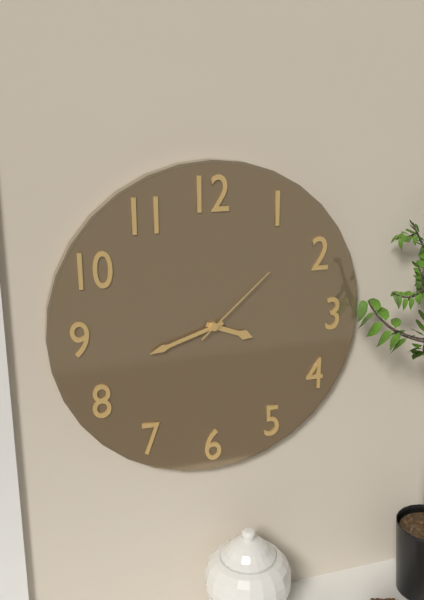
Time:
{"hour": 3, "minute": 42, "second": 8}
